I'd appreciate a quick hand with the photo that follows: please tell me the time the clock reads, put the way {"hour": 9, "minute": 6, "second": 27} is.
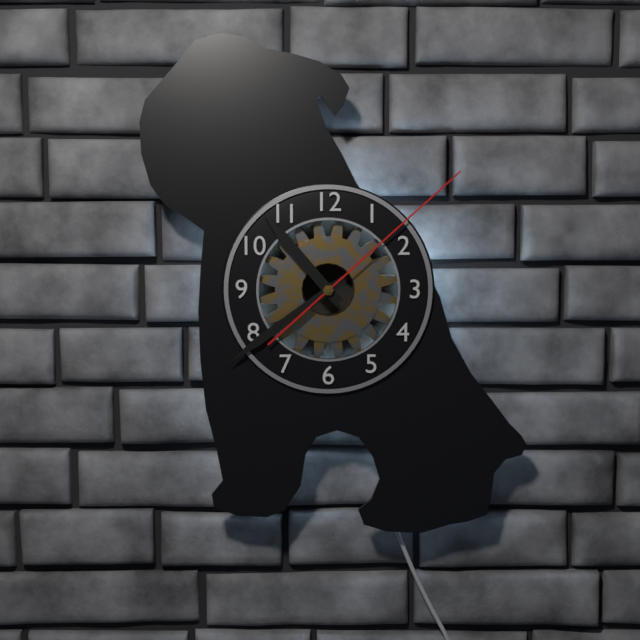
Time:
{"hour": 10, "minute": 39, "second": 8}
